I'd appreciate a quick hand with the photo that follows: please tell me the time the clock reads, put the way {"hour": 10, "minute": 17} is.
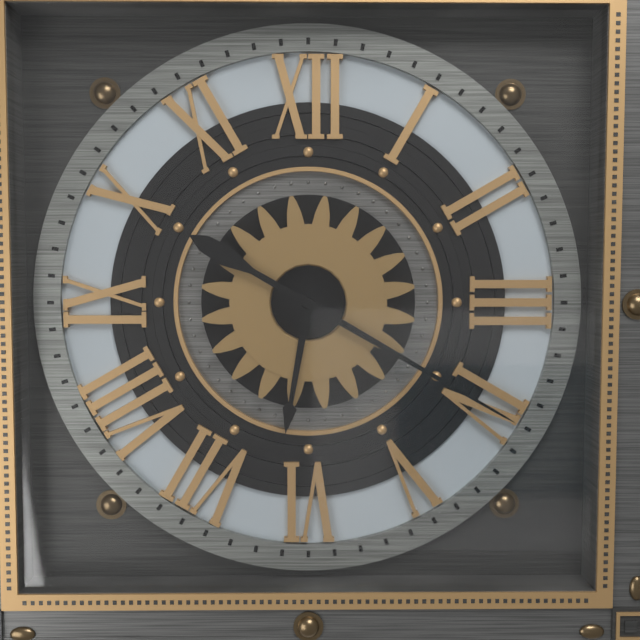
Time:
{"hour": 6, "minute": 20}
